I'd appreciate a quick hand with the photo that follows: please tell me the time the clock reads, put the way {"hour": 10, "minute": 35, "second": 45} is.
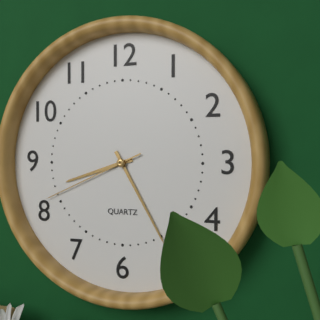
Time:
{"hour": 8, "minute": 25, "second": 41}
